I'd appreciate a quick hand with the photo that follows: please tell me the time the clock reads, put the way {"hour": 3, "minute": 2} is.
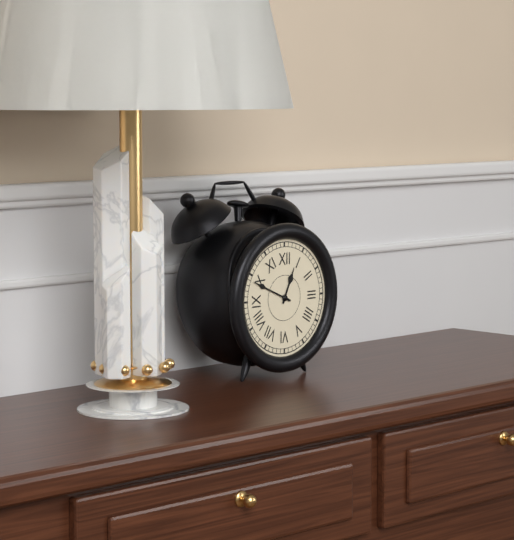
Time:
{"hour": 12, "minute": 49}
